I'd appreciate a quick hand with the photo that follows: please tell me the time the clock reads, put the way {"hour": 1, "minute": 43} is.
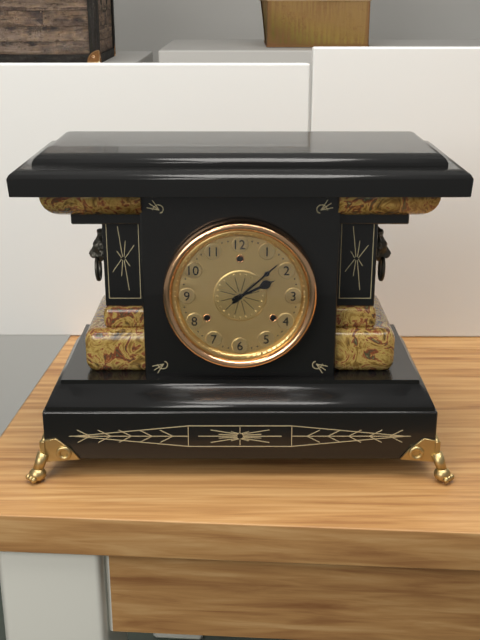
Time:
{"hour": 2, "minute": 8}
